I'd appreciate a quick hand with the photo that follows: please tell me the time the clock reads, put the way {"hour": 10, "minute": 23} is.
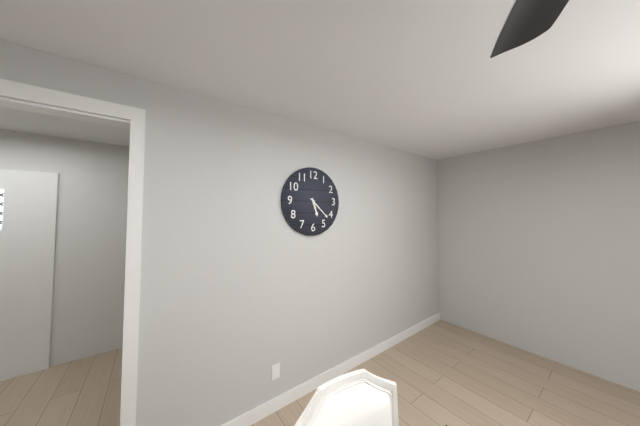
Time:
{"hour": 5, "minute": 22}
